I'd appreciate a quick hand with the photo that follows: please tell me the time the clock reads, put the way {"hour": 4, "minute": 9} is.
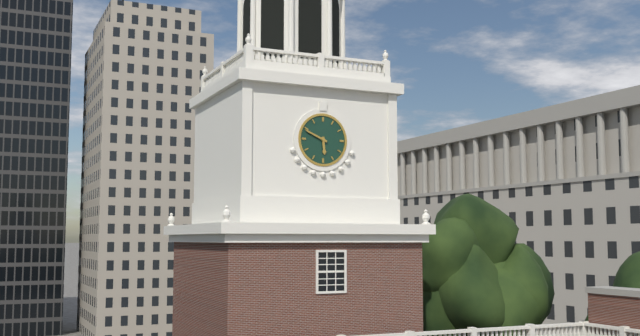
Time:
{"hour": 5, "minute": 49}
